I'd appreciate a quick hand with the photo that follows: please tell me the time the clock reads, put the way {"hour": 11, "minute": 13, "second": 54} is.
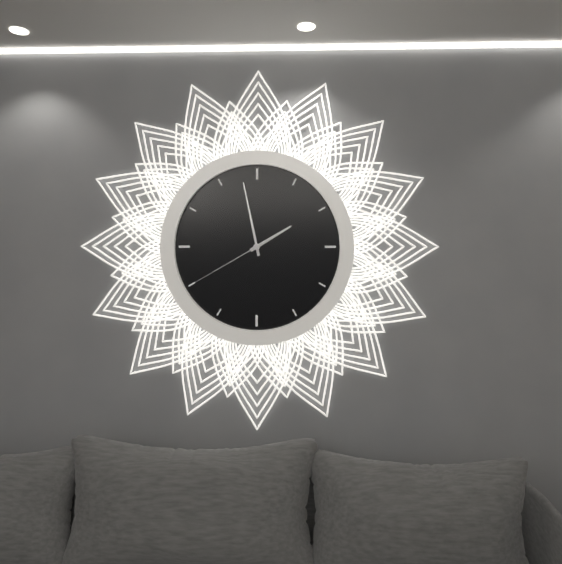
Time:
{"hour": 1, "minute": 58, "second": 40}
